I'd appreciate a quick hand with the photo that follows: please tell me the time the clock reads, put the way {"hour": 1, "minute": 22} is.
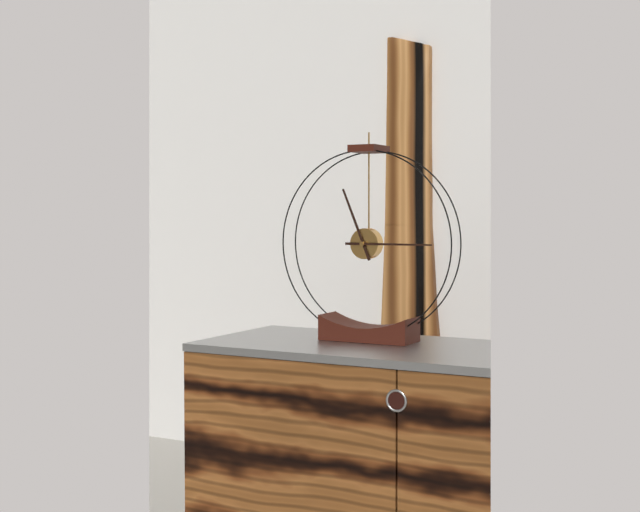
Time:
{"hour": 11, "minute": 15}
